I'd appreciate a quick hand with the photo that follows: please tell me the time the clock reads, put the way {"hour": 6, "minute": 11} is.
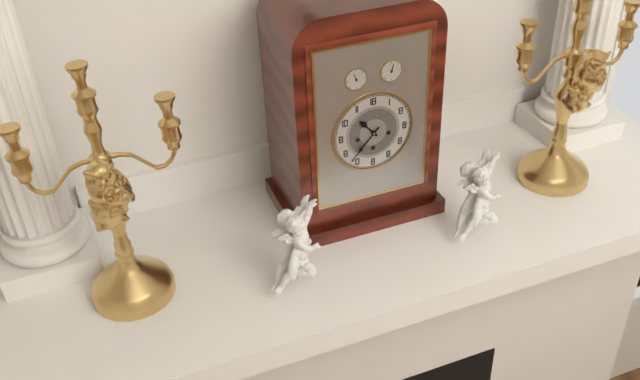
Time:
{"hour": 10, "minute": 37}
